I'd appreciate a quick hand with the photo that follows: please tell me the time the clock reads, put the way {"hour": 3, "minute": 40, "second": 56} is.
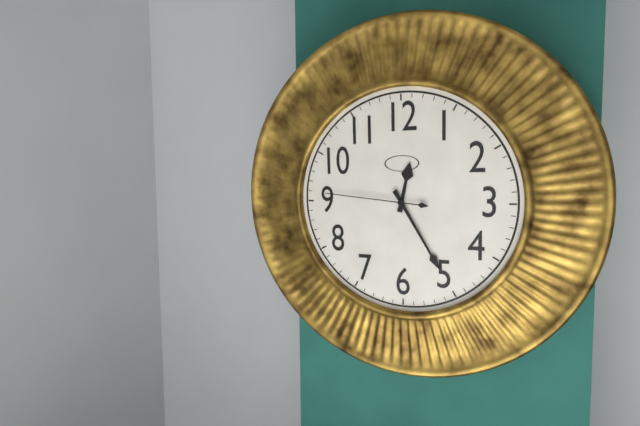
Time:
{"hour": 12, "minute": 25, "second": 46}
